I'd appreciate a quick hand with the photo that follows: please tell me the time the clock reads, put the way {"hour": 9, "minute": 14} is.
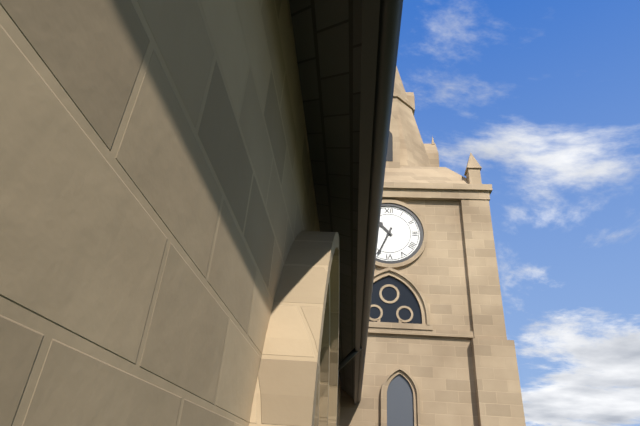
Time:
{"hour": 10, "minute": 34}
